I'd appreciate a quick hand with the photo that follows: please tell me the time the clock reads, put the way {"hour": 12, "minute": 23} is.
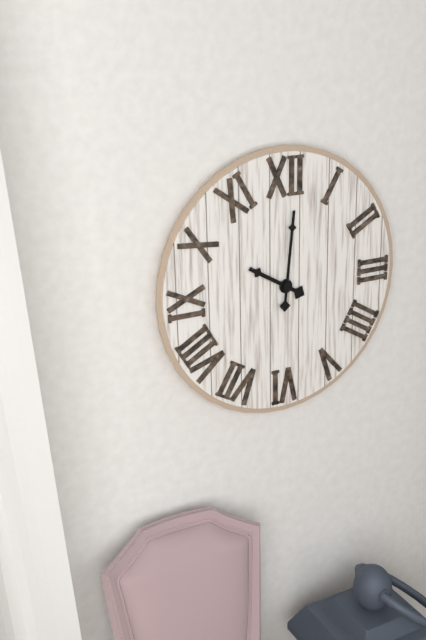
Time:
{"hour": 10, "minute": 1}
